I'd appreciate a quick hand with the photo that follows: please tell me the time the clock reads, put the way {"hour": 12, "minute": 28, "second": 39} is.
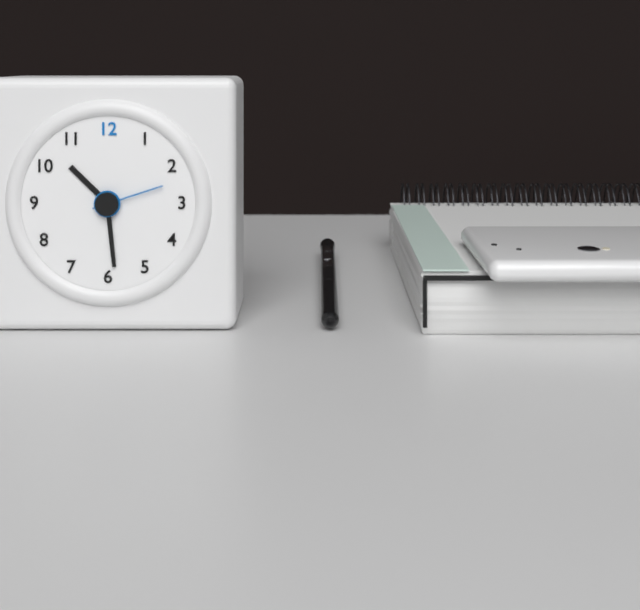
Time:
{"hour": 10, "minute": 29, "second": 12}
